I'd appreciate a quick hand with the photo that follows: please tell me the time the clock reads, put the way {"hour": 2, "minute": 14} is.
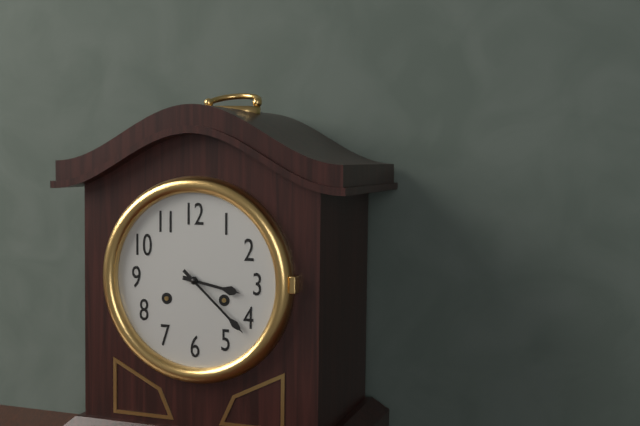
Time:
{"hour": 3, "minute": 22}
